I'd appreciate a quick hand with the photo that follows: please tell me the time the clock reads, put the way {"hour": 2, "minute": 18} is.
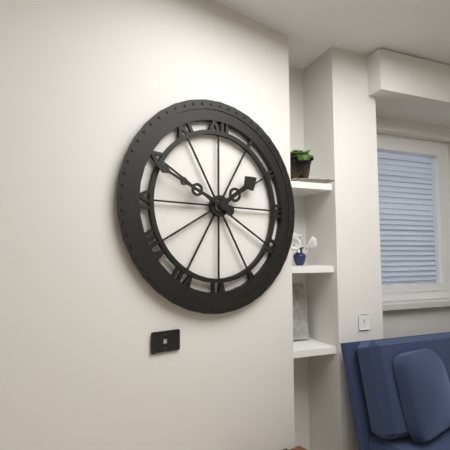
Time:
{"hour": 1, "minute": 49}
